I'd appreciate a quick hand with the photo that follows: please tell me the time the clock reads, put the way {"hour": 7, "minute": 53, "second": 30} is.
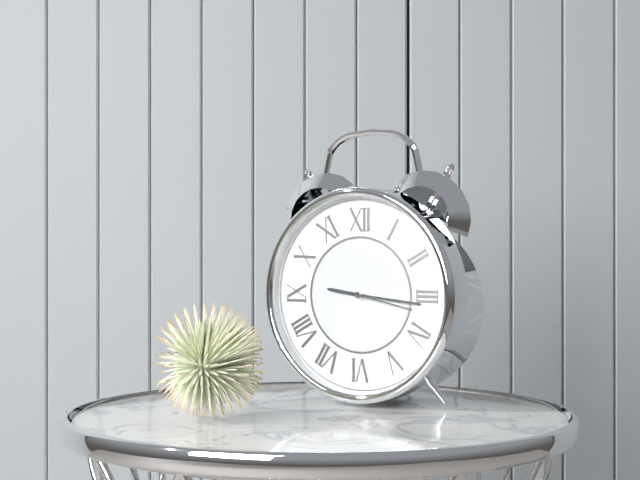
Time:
{"hour": 9, "minute": 16, "second": 17}
